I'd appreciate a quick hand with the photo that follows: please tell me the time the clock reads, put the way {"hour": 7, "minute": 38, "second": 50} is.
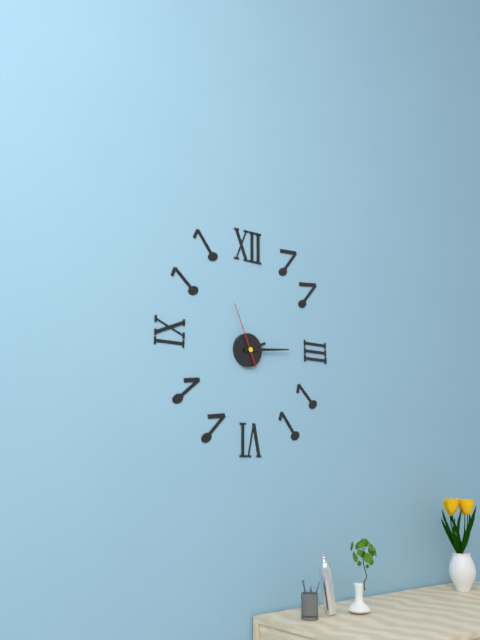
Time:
{"hour": 2, "minute": 14, "second": 56}
